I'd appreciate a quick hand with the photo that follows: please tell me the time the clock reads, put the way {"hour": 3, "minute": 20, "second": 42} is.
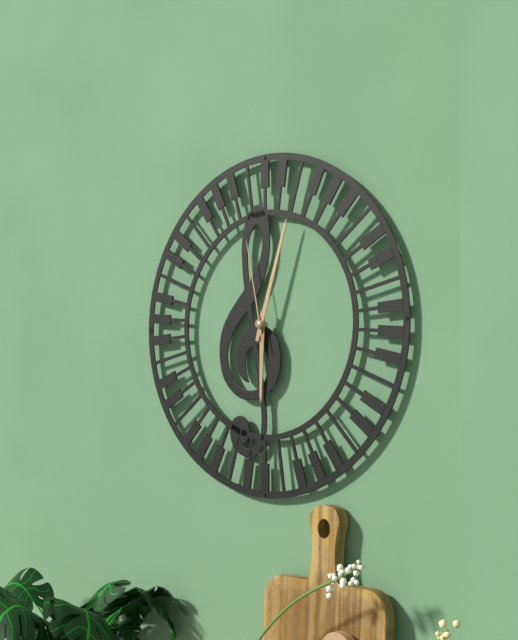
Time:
{"hour": 6, "minute": 3, "second": 58}
